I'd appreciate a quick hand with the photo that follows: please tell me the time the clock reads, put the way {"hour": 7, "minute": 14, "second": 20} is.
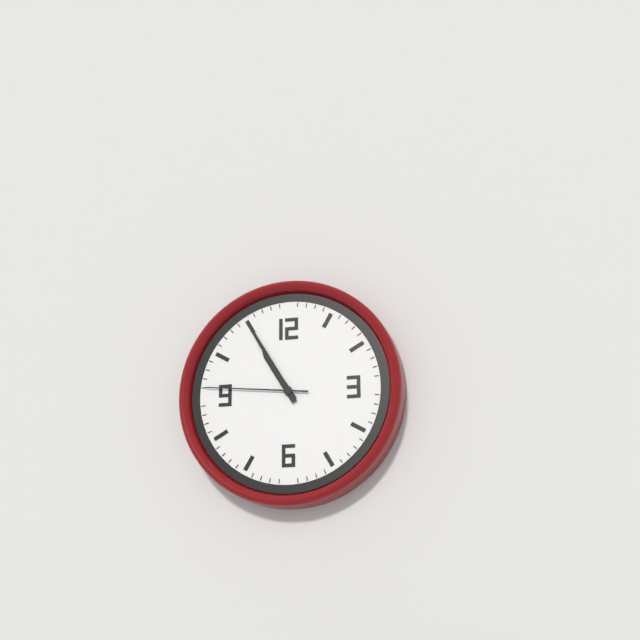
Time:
{"hour": 10, "minute": 55, "second": 46}
